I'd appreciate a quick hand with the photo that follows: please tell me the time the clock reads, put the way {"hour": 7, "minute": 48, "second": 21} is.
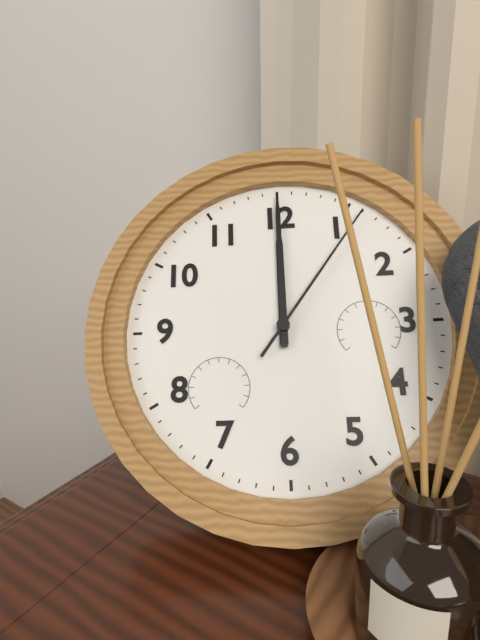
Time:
{"hour": 12, "minute": 0, "second": 6}
